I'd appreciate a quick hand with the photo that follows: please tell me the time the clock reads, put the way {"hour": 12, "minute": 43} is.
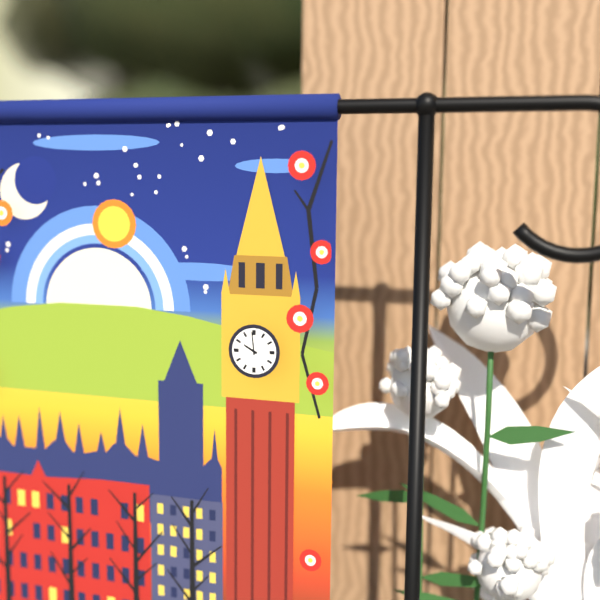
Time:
{"hour": 9, "minute": 59}
